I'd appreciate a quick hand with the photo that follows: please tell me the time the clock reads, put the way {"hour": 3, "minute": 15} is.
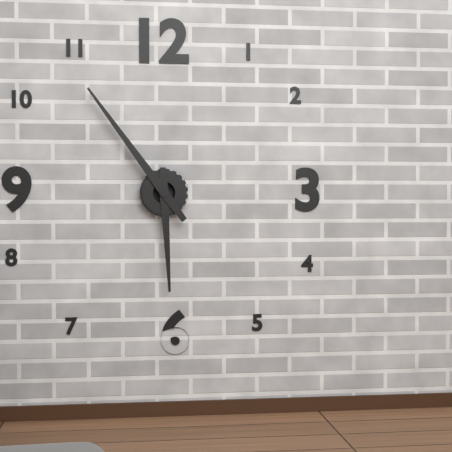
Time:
{"hour": 5, "minute": 54}
